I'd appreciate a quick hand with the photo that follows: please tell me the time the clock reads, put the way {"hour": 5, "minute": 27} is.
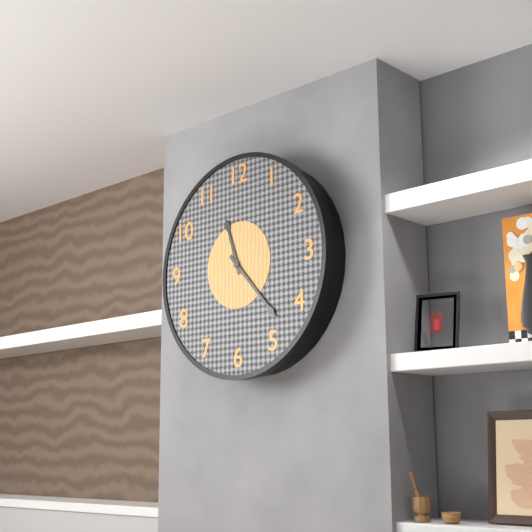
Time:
{"hour": 11, "minute": 23}
